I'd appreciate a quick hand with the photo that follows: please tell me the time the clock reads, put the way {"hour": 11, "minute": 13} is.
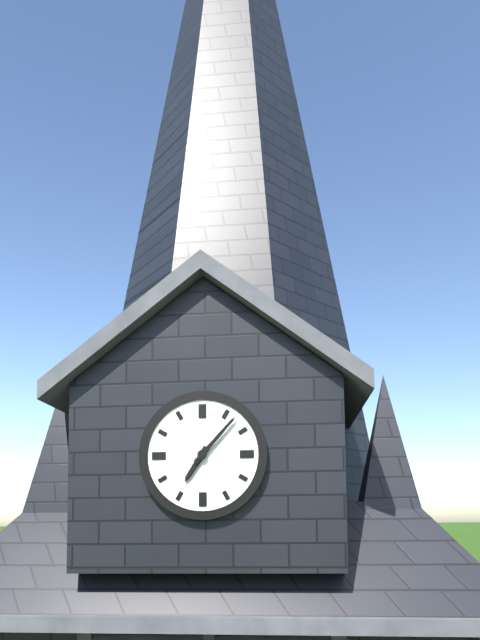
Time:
{"hour": 7, "minute": 7}
